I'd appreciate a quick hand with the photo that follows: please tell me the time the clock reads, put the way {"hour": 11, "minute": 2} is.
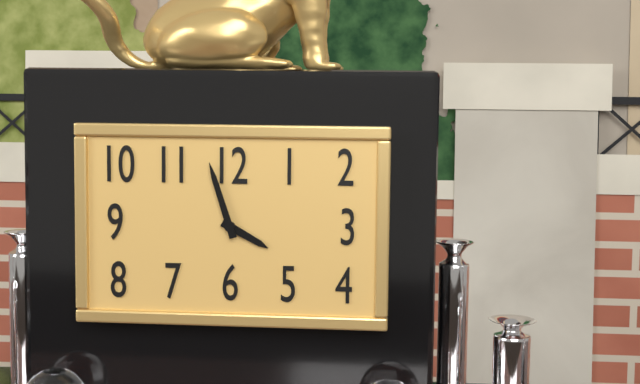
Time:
{"hour": 3, "minute": 57}
